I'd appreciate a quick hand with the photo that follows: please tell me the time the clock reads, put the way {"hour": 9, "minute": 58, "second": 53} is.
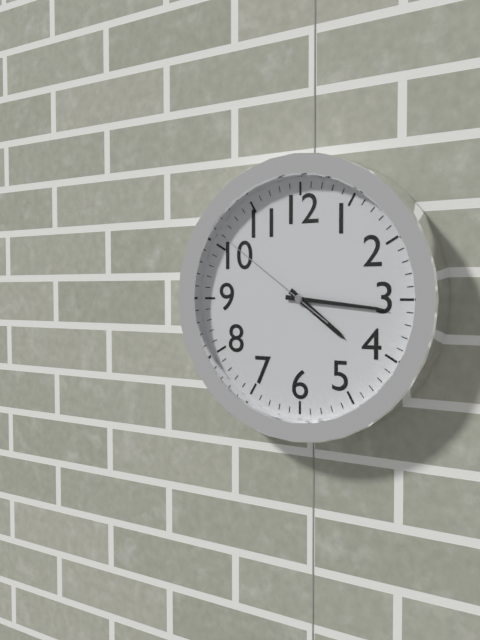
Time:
{"hour": 4, "minute": 16, "second": 51}
